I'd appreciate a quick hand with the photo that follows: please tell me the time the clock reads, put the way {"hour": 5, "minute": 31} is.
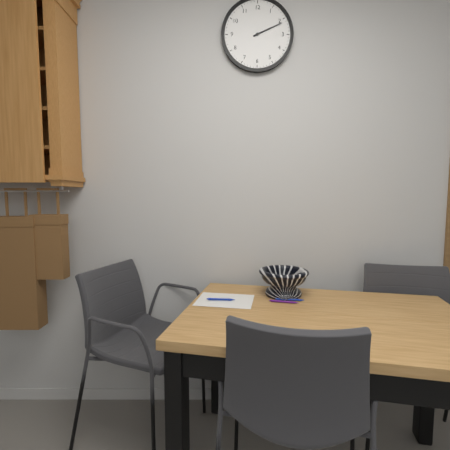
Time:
{"hour": 2, "minute": 11}
